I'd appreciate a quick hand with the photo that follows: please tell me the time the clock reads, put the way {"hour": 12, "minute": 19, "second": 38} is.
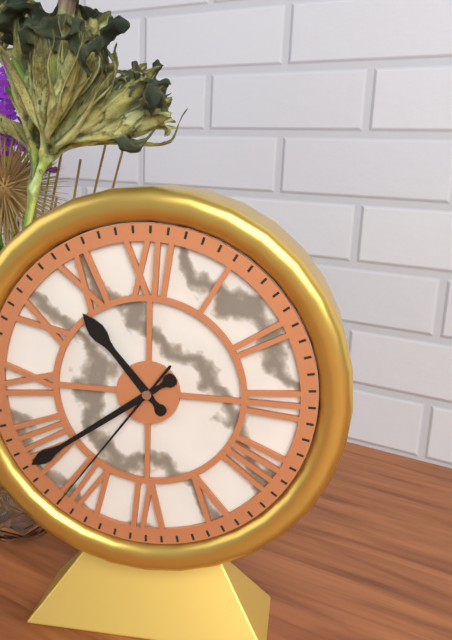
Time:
{"hour": 10, "minute": 39, "second": 36}
